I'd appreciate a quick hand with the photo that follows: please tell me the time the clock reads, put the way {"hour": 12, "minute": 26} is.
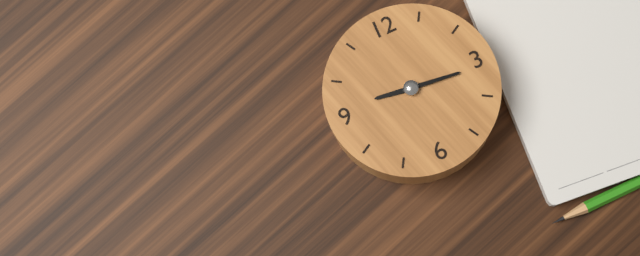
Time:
{"hour": 9, "minute": 16}
